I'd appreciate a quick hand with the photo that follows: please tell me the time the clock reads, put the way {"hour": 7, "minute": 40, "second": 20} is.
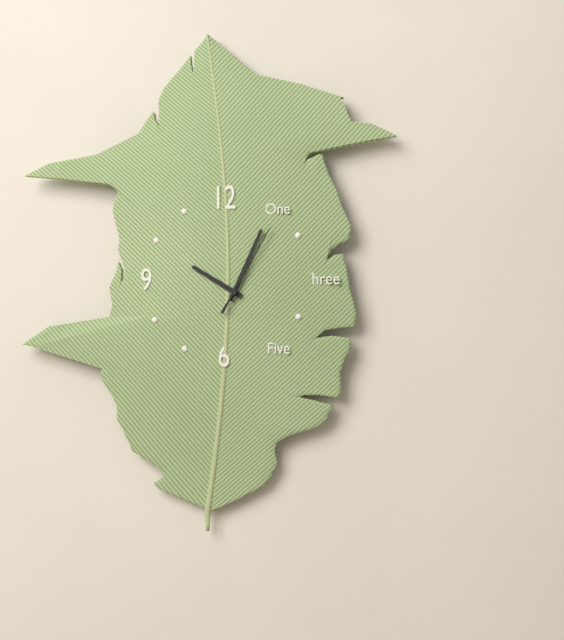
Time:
{"hour": 10, "minute": 4, "second": 5}
